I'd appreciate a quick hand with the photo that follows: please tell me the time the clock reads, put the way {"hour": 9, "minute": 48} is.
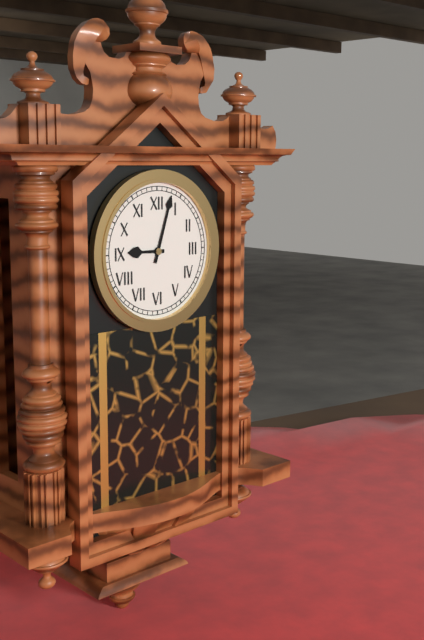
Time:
{"hour": 9, "minute": 3}
